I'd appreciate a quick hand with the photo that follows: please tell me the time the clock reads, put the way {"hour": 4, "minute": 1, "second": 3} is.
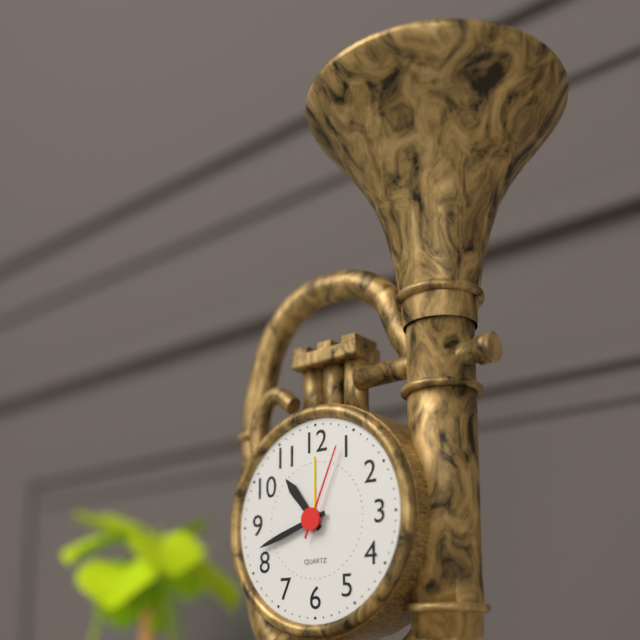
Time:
{"hour": 10, "minute": 42, "second": 4}
